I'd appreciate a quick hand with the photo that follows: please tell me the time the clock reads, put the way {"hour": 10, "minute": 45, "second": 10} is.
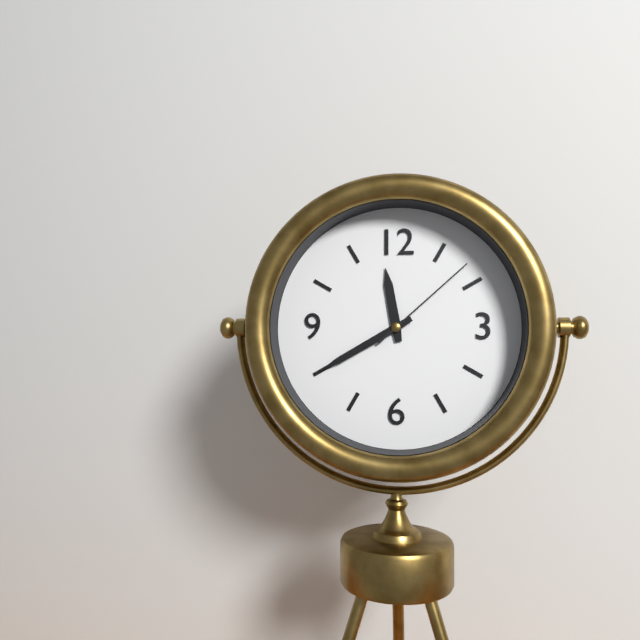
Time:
{"hour": 11, "minute": 40, "second": 8}
